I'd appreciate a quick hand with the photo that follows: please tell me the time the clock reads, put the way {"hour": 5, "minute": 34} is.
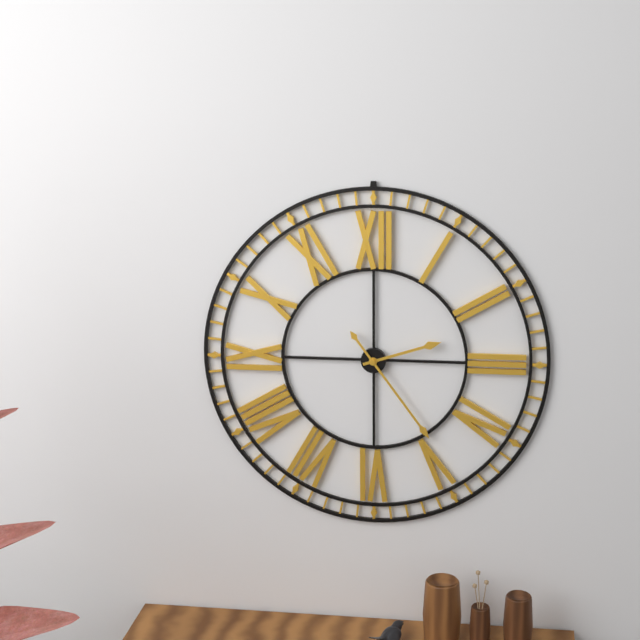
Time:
{"hour": 2, "minute": 24}
